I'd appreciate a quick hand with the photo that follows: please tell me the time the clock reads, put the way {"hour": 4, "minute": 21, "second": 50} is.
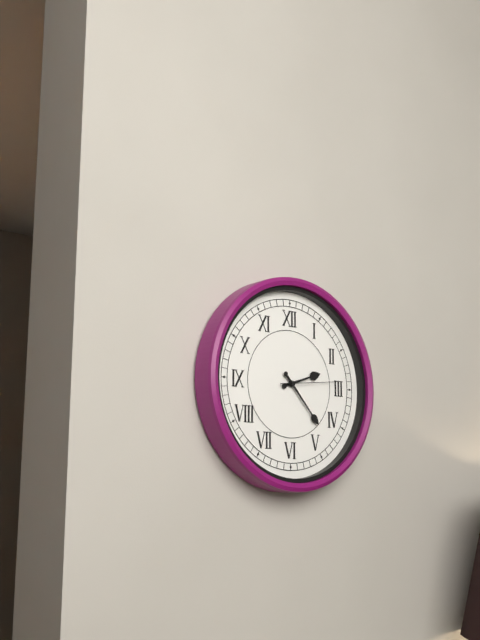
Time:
{"hour": 2, "minute": 23, "second": 14}
